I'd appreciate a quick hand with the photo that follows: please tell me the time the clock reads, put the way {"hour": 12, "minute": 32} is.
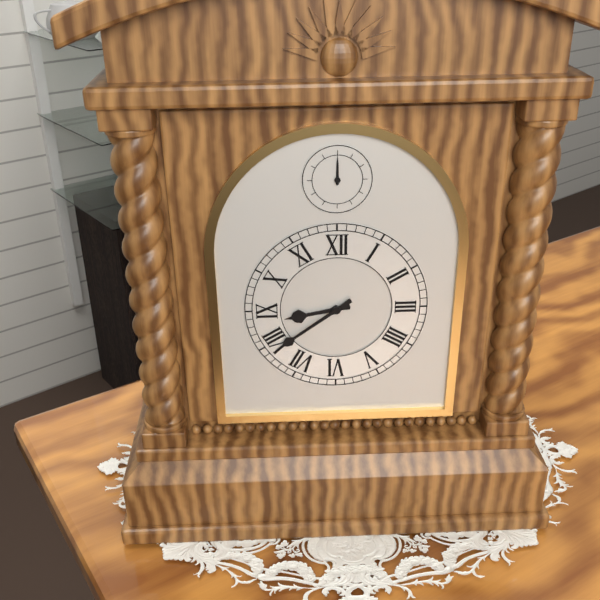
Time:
{"hour": 8, "minute": 39}
